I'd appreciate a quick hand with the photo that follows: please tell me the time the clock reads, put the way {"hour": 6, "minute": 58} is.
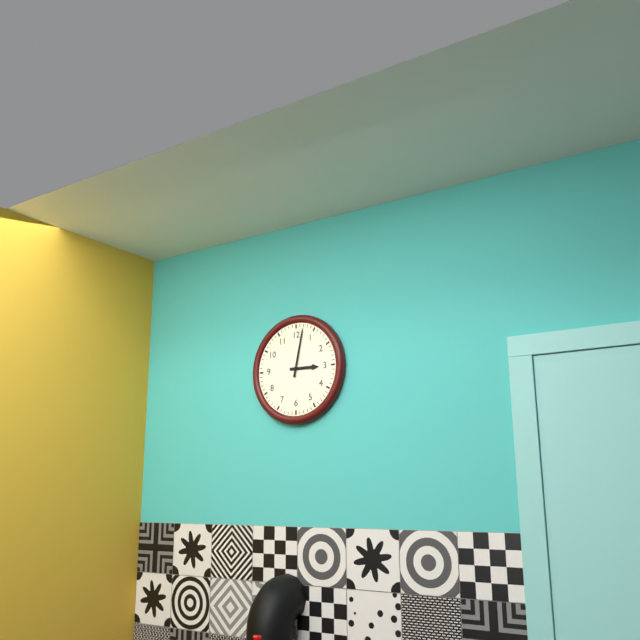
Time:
{"hour": 3, "minute": 2}
